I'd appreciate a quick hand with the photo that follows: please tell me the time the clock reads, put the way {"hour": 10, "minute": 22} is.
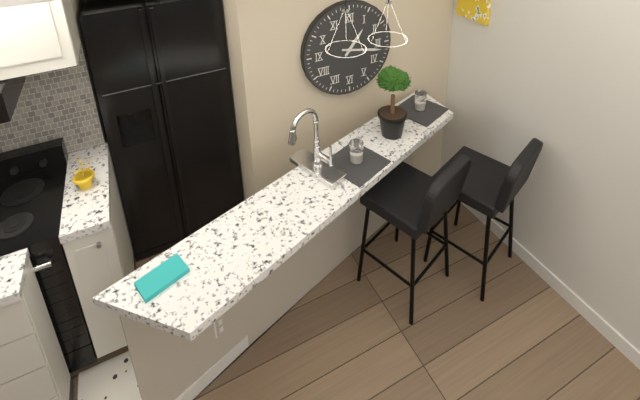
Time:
{"hour": 1, "minute": 17}
